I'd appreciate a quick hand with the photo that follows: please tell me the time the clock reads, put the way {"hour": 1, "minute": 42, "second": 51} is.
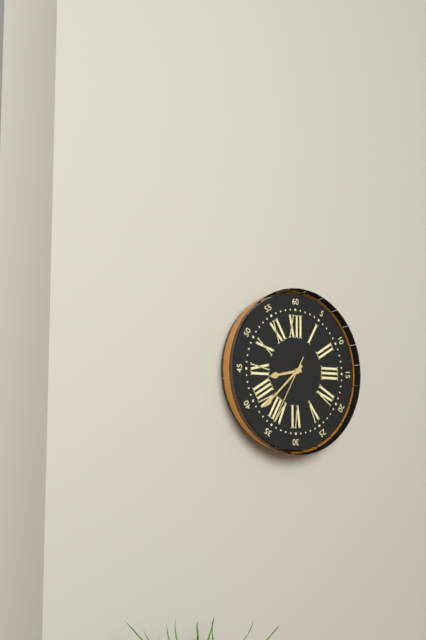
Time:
{"hour": 8, "minute": 38, "second": 35}
